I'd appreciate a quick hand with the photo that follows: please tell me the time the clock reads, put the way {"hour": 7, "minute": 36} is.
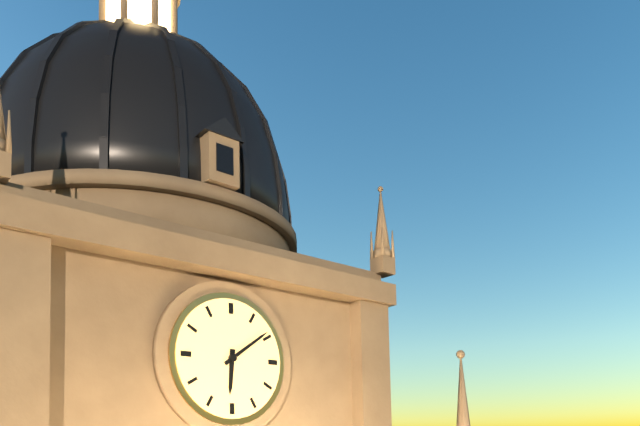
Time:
{"hour": 6, "minute": 9}
